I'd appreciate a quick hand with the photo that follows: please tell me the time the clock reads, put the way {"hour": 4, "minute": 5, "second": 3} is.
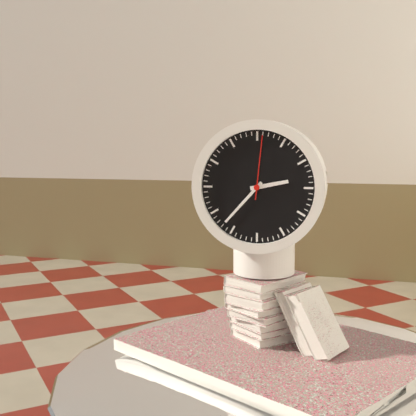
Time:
{"hour": 2, "minute": 37, "second": 1}
